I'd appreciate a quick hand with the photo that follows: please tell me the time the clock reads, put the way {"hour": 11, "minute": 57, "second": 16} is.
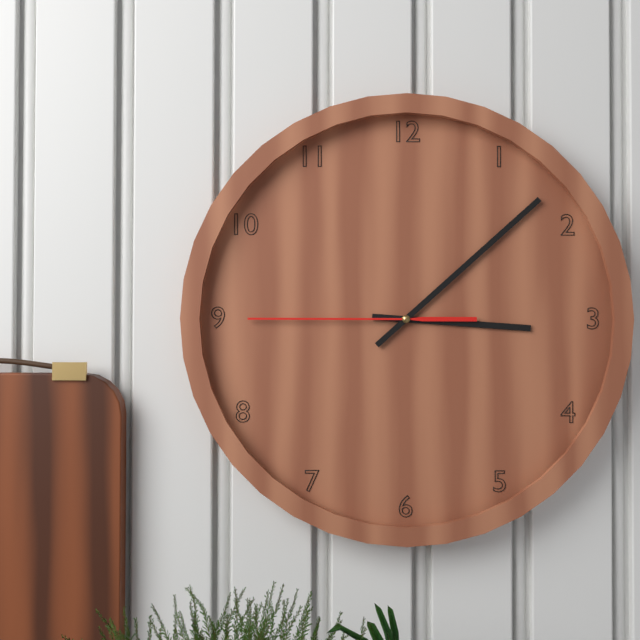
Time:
{"hour": 3, "minute": 8, "second": 45}
